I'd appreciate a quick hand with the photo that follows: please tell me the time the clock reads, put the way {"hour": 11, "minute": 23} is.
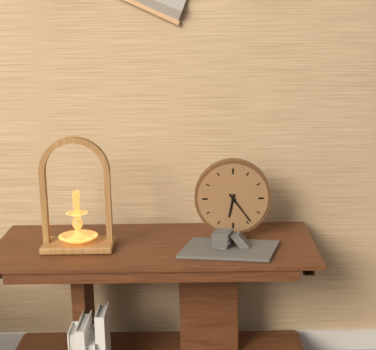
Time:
{"hour": 6, "minute": 24}
